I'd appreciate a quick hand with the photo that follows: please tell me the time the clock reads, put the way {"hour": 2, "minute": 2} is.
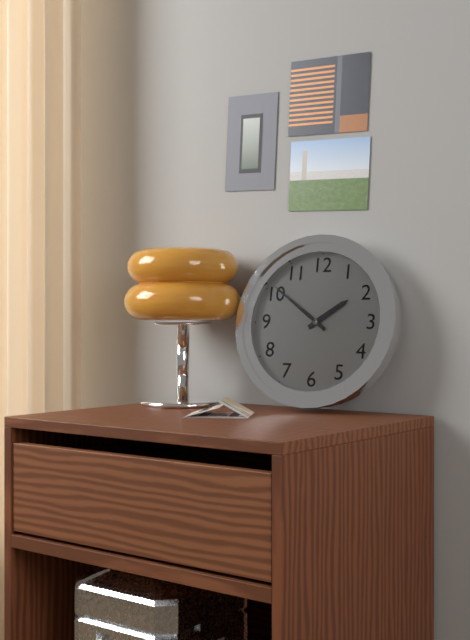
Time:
{"hour": 1, "minute": 51}
